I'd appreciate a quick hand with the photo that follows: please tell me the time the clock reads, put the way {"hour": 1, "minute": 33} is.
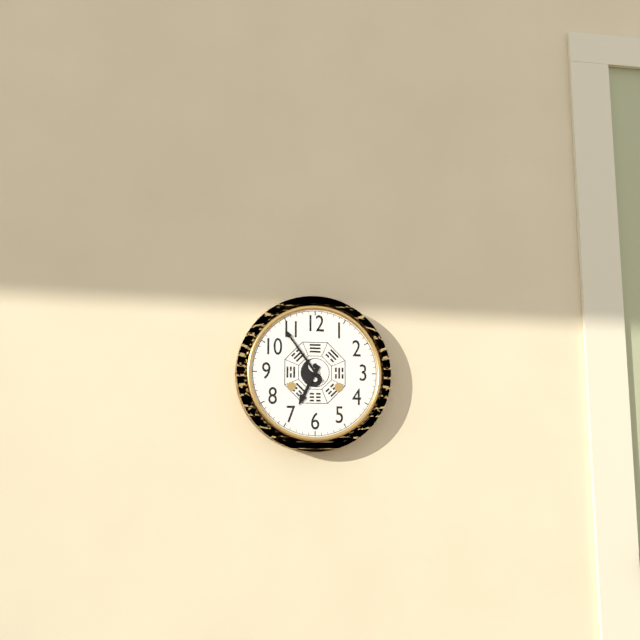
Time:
{"hour": 6, "minute": 54}
